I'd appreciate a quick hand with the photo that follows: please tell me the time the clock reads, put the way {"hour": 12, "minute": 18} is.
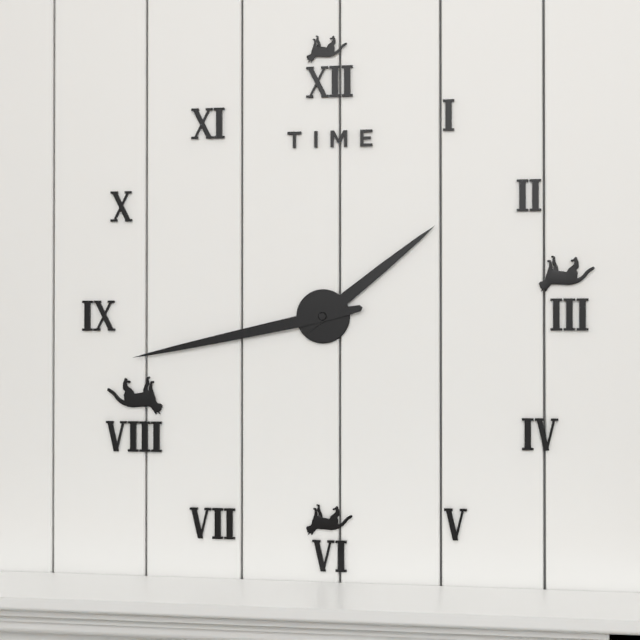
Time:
{"hour": 1, "minute": 43}
